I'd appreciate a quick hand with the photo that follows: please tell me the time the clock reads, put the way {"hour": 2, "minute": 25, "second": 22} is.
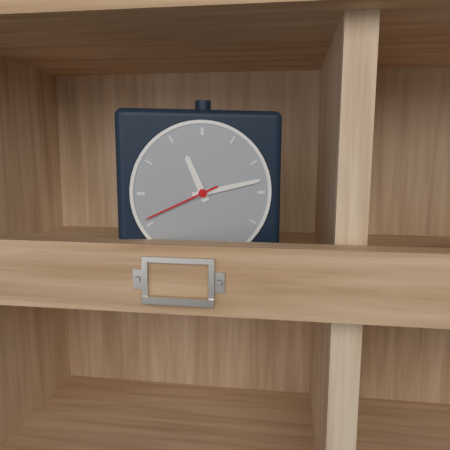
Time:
{"hour": 11, "minute": 13, "second": 41}
